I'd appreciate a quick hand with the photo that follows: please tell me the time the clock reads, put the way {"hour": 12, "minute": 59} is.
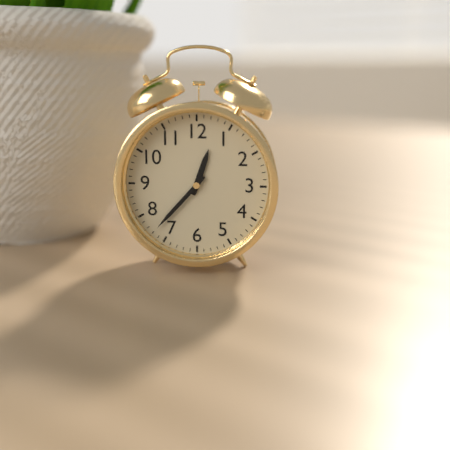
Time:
{"hour": 12, "minute": 37}
